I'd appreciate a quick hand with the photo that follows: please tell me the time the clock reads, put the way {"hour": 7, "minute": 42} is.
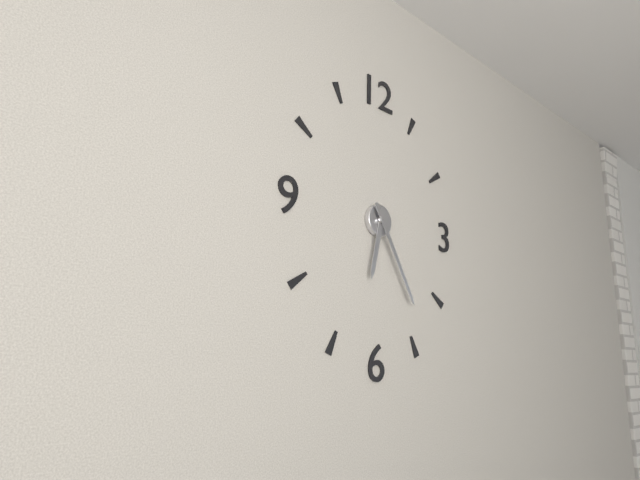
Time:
{"hour": 6, "minute": 25}
